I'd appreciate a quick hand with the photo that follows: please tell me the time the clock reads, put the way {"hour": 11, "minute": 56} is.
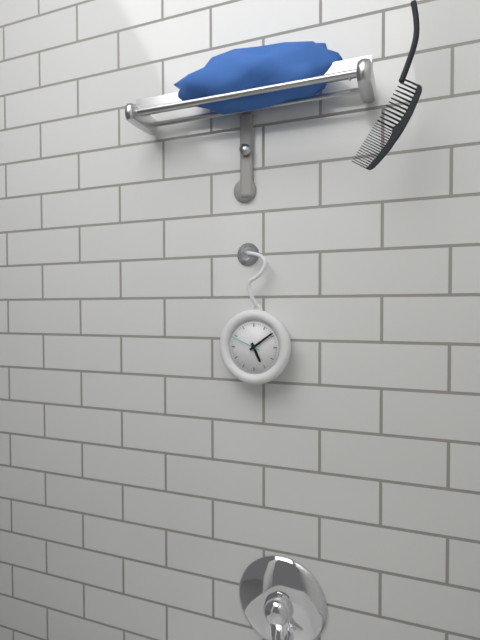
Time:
{"hour": 5, "minute": 9}
